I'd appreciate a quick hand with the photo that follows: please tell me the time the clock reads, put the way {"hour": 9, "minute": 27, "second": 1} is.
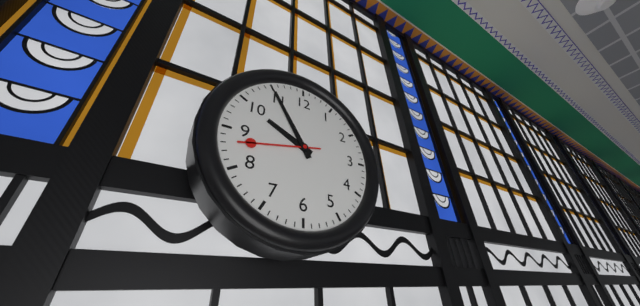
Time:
{"hour": 9, "minute": 55, "second": 43}
